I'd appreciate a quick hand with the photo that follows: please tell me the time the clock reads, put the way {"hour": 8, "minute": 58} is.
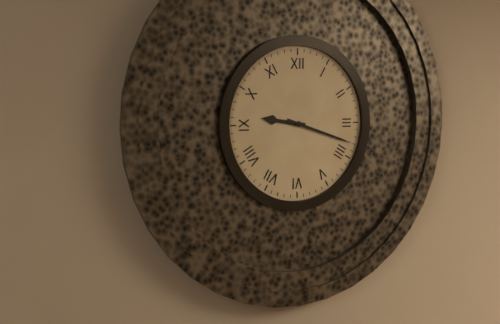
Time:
{"hour": 9, "minute": 18}
